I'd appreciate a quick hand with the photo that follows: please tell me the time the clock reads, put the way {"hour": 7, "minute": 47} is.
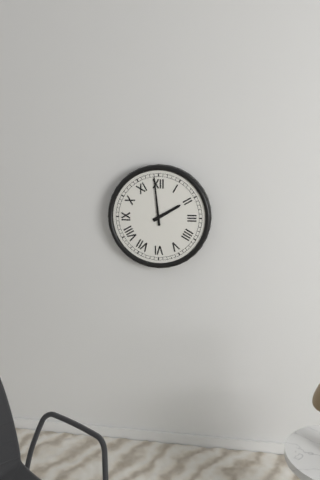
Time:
{"hour": 1, "minute": 59}
